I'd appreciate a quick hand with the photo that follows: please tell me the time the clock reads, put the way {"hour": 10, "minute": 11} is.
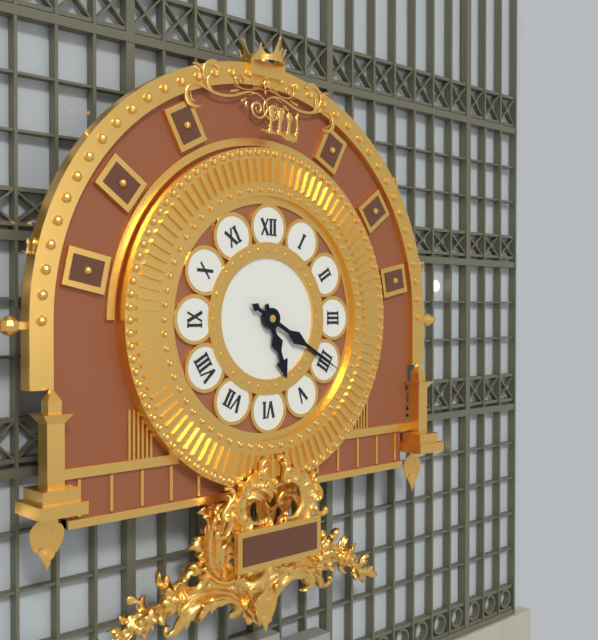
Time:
{"hour": 5, "minute": 20}
